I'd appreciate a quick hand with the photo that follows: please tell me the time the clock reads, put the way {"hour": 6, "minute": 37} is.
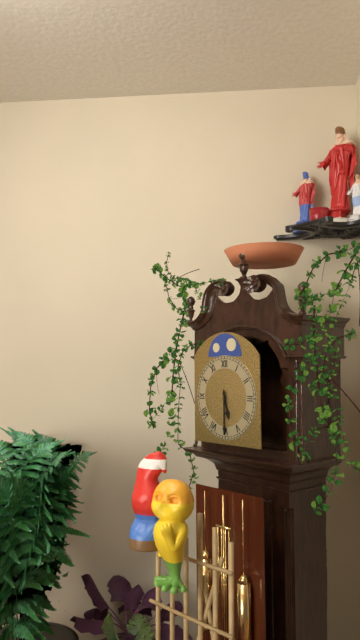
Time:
{"hour": 5, "minute": 30}
